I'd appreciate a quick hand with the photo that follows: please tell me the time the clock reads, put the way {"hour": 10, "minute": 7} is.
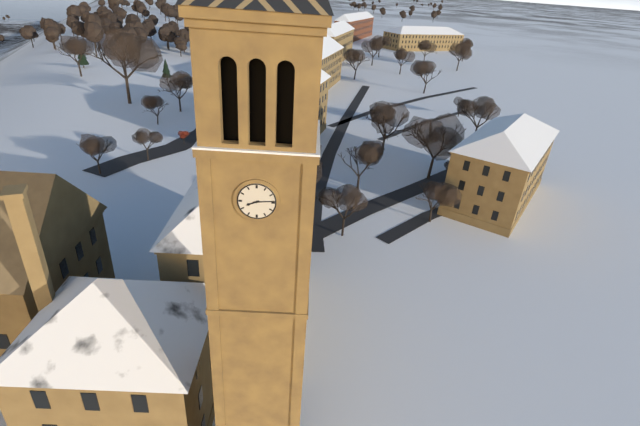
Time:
{"hour": 8, "minute": 14}
